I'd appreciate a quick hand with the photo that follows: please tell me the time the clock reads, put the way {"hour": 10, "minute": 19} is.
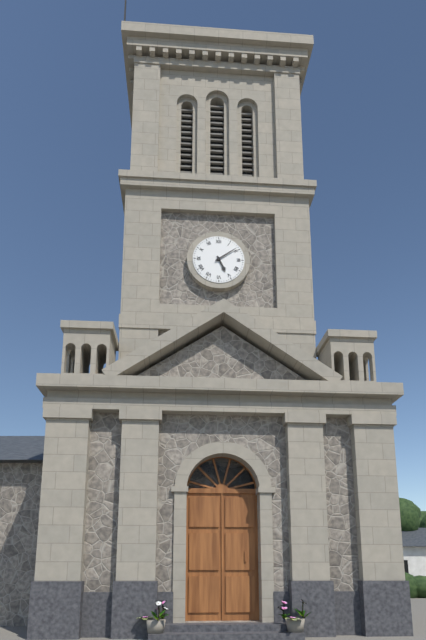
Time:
{"hour": 5, "minute": 9}
